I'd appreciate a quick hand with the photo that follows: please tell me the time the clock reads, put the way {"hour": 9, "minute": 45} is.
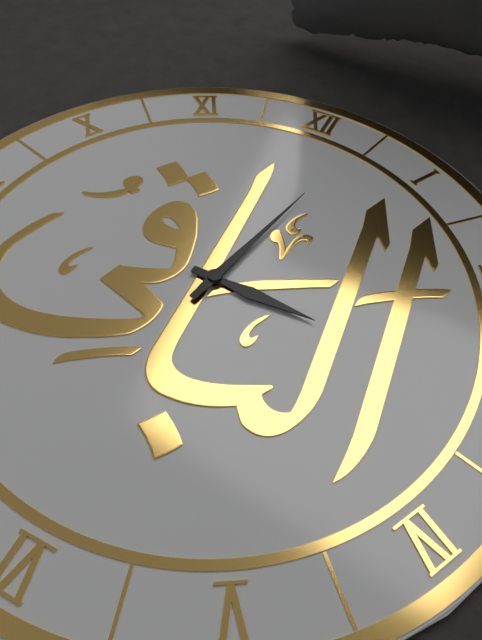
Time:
{"hour": 3, "minute": 2}
